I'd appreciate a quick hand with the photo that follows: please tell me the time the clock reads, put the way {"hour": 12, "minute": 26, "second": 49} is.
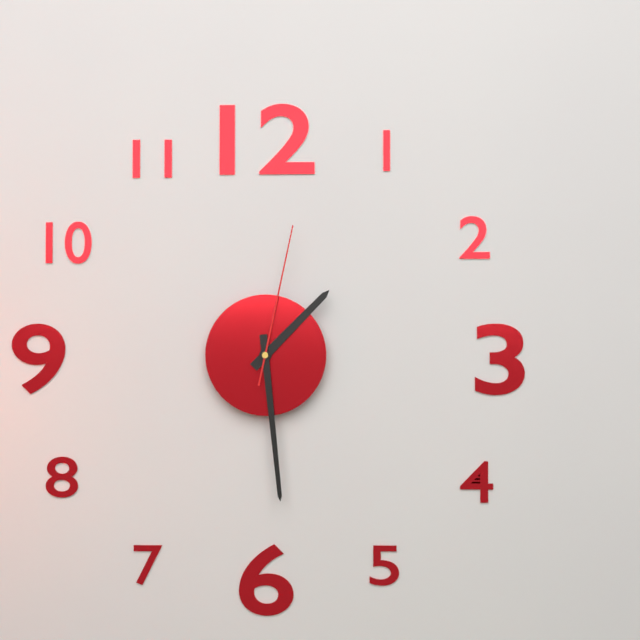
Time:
{"hour": 1, "minute": 29, "second": 2}
